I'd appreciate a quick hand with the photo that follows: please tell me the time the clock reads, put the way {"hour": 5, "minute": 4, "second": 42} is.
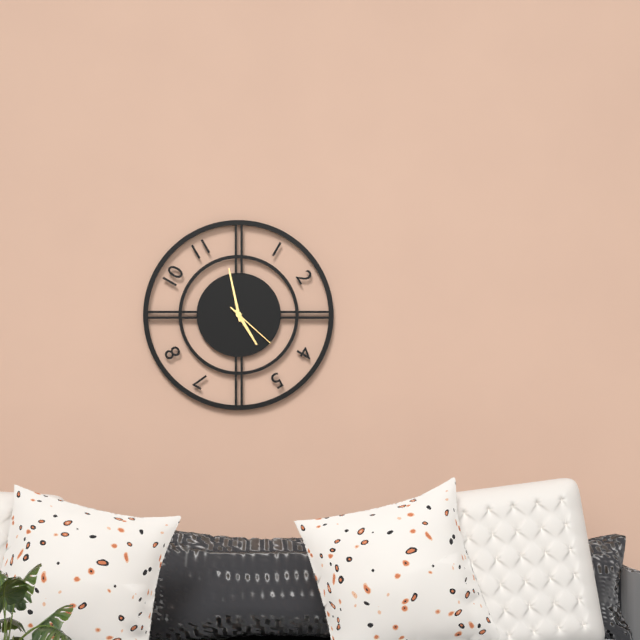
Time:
{"hour": 4, "minute": 58, "second": 22}
